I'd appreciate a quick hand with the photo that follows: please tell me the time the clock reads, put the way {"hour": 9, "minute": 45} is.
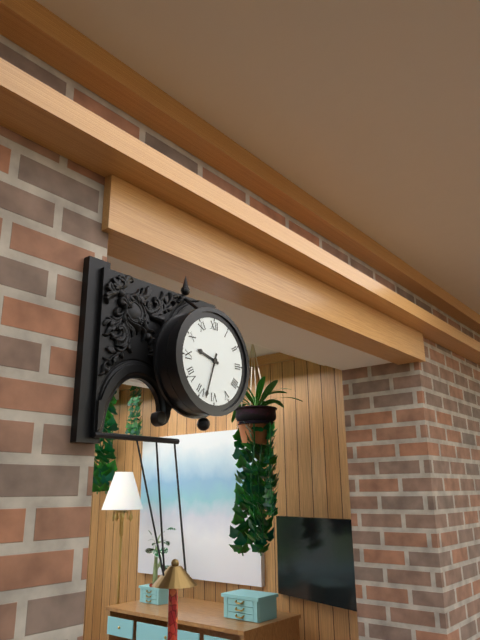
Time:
{"hour": 9, "minute": 33}
